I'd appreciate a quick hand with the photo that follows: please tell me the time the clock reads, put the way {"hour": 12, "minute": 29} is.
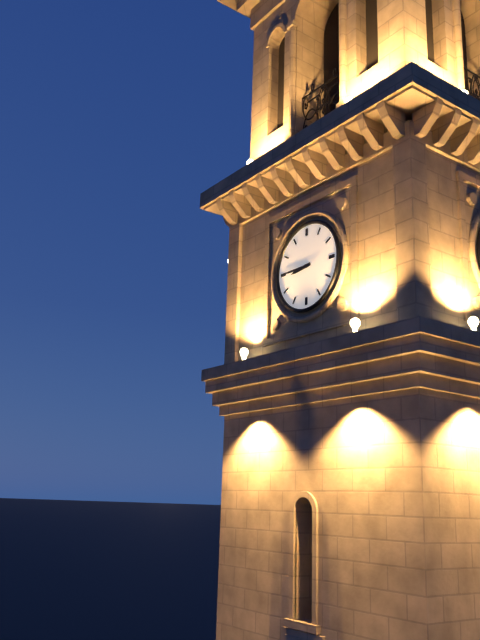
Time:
{"hour": 8, "minute": 45}
